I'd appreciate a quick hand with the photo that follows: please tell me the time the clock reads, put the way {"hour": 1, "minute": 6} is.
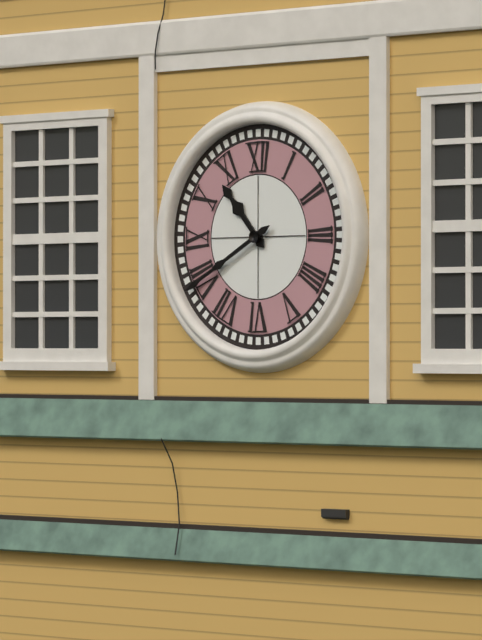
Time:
{"hour": 10, "minute": 40}
